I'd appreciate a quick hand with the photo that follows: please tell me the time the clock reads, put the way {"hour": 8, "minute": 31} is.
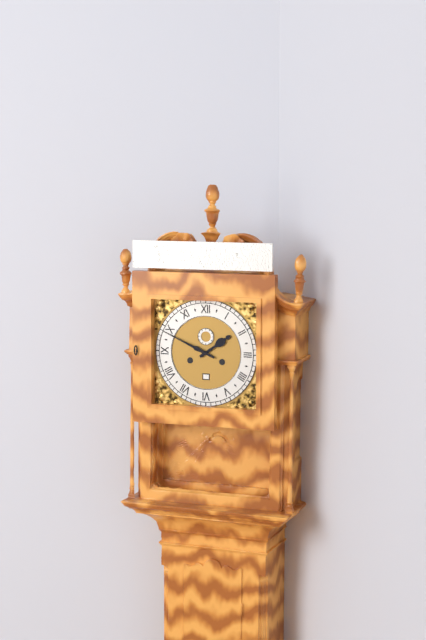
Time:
{"hour": 1, "minute": 49}
